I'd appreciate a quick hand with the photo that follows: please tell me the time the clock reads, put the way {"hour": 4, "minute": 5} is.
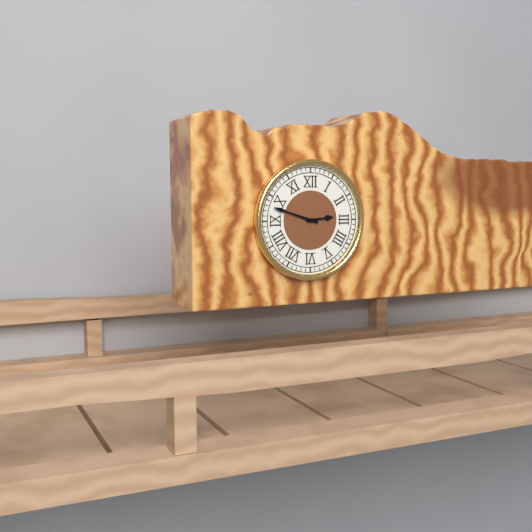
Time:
{"hour": 2, "minute": 48}
